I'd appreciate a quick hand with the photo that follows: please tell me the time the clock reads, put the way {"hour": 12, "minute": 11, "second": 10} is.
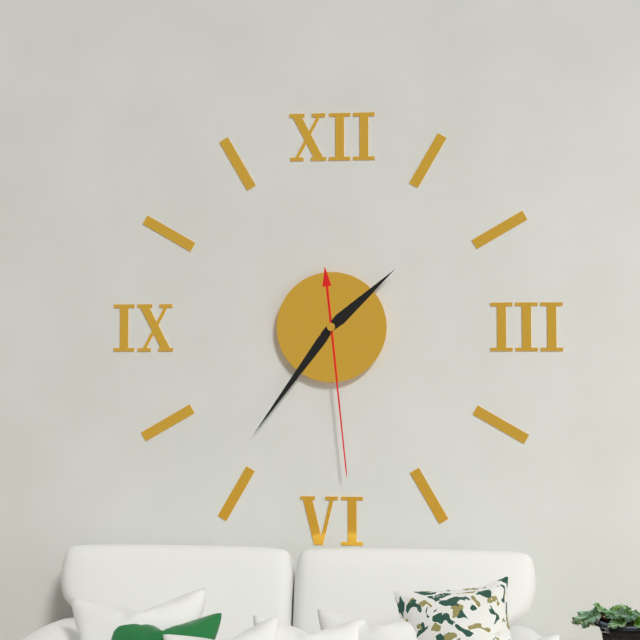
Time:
{"hour": 1, "minute": 36, "second": 29}
